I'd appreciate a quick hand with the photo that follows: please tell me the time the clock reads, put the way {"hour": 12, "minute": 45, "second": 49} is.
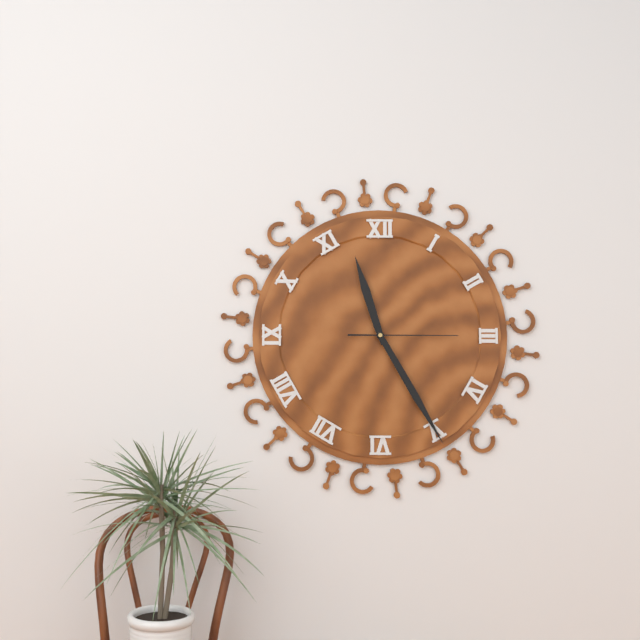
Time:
{"hour": 11, "minute": 25, "second": 15}
